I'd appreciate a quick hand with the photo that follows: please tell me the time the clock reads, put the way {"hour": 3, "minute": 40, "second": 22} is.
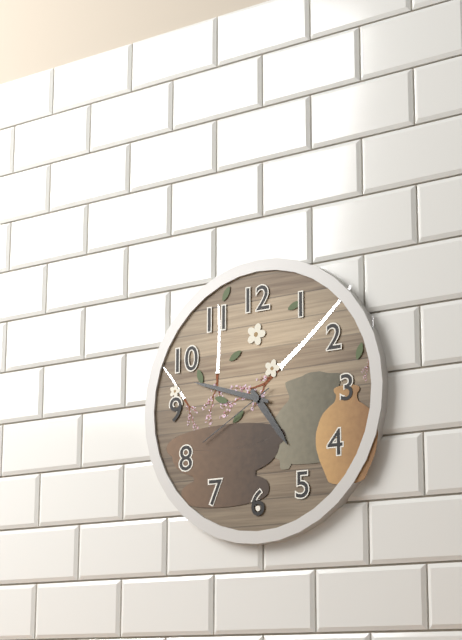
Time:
{"hour": 4, "minute": 48, "second": 40}
